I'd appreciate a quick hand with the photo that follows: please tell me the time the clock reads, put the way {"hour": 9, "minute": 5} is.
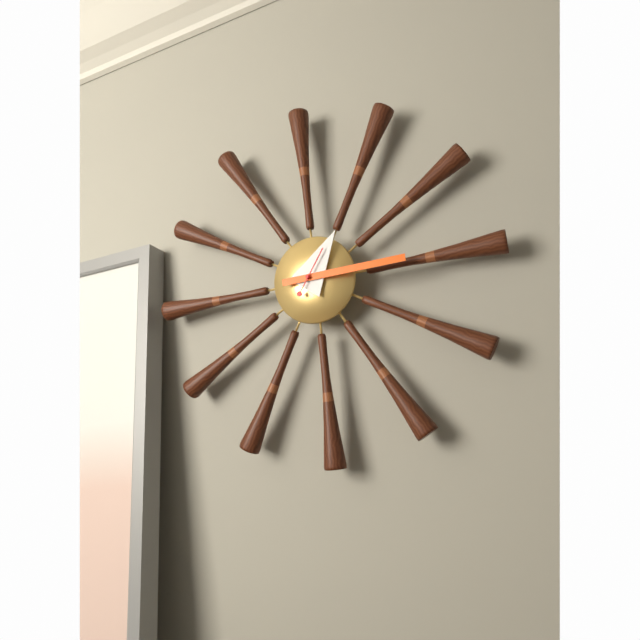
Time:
{"hour": 1, "minute": 15}
